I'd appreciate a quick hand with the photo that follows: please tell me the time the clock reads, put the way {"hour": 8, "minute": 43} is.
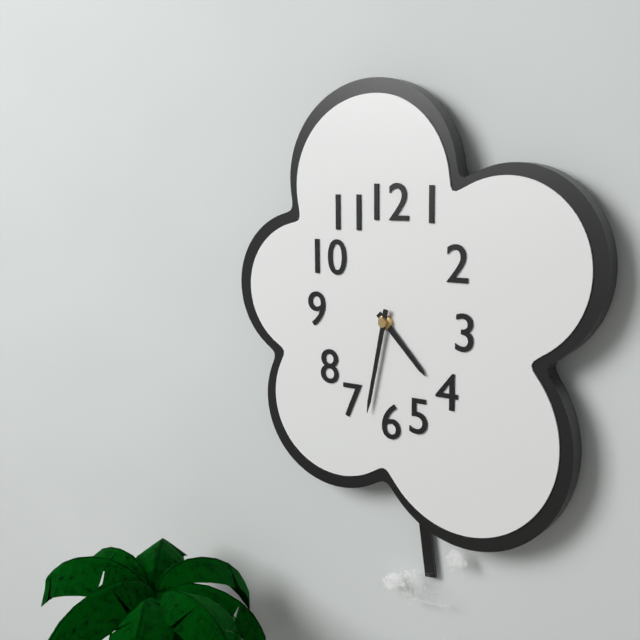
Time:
{"hour": 4, "minute": 32}
